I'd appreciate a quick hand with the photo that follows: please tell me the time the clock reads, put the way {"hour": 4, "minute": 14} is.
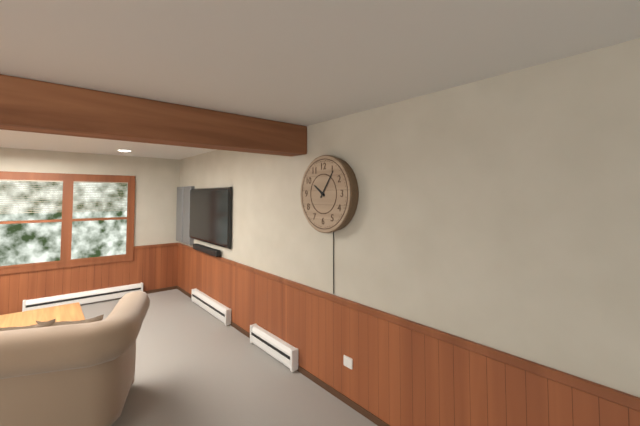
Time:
{"hour": 10, "minute": 6}
